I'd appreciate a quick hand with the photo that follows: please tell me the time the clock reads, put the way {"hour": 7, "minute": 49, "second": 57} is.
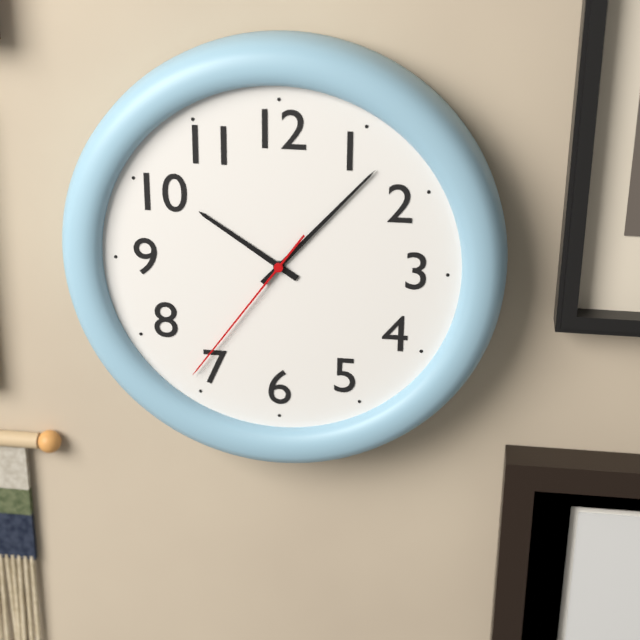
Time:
{"hour": 10, "minute": 7, "second": 36}
